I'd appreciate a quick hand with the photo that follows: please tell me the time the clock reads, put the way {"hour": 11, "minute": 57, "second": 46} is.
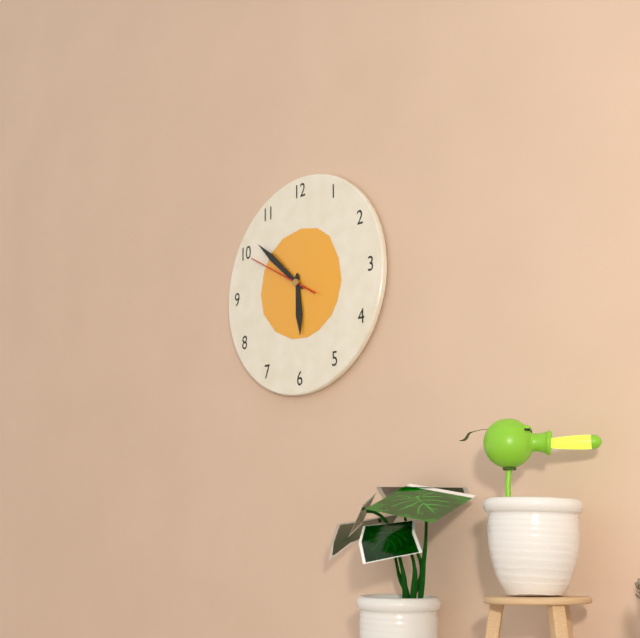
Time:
{"hour": 5, "minute": 52, "second": 50}
